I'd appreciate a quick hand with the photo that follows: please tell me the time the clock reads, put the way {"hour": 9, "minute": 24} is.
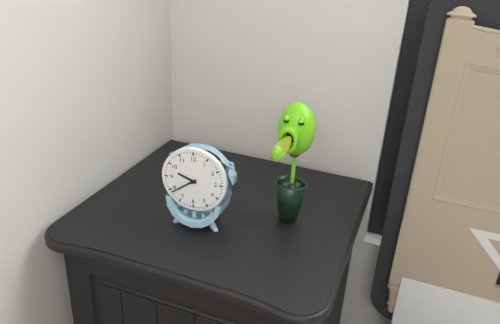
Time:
{"hour": 9, "minute": 39}
